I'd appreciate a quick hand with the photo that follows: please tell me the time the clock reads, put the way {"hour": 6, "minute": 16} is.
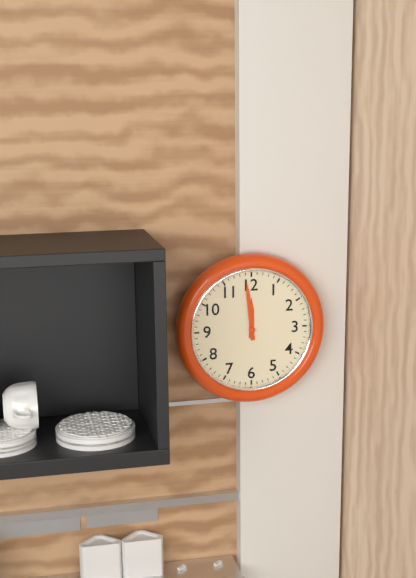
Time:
{"hour": 11, "minute": 59}
